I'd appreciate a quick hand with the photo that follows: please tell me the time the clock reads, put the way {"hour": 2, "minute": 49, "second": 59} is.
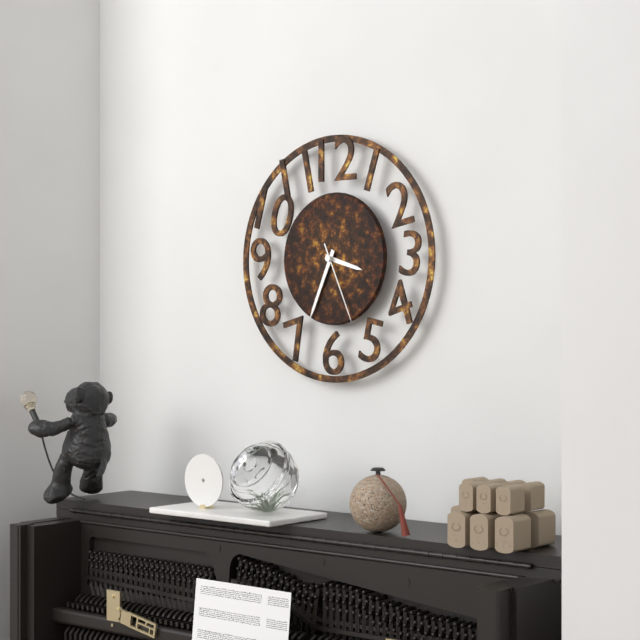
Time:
{"hour": 3, "minute": 34, "second": 26}
